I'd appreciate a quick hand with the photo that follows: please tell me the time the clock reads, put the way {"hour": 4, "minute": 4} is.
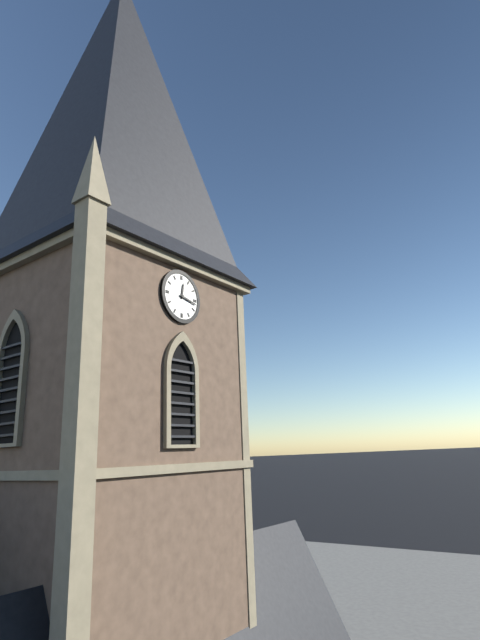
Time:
{"hour": 12, "minute": 17}
